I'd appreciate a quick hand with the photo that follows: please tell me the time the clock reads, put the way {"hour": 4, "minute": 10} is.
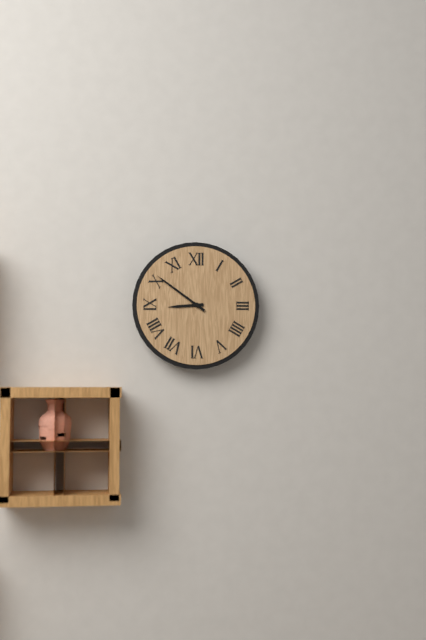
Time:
{"hour": 8, "minute": 51}
